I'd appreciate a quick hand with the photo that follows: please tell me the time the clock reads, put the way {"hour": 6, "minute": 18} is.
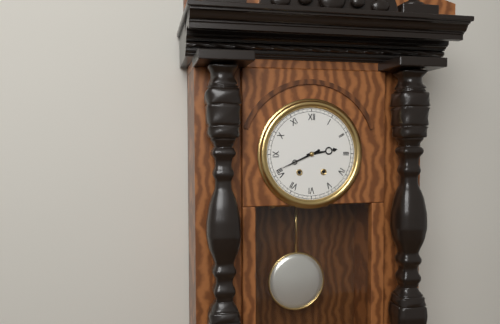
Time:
{"hour": 2, "minute": 41}
